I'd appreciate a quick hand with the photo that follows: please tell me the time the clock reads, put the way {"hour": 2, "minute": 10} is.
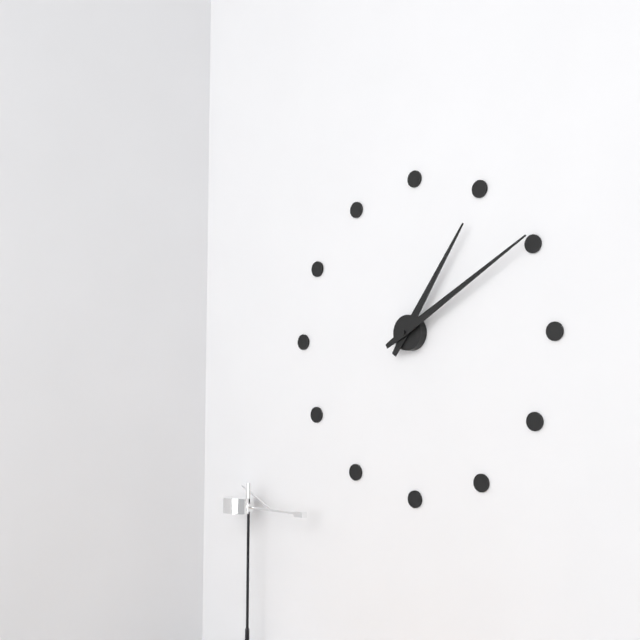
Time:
{"hour": 1, "minute": 10}
